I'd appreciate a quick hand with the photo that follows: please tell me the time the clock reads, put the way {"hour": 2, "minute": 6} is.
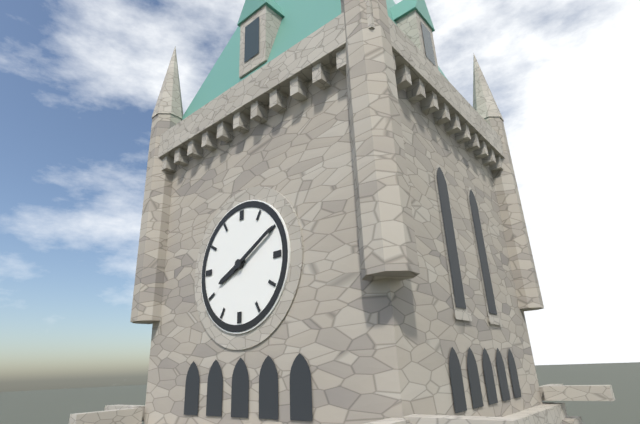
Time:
{"hour": 8, "minute": 10}
